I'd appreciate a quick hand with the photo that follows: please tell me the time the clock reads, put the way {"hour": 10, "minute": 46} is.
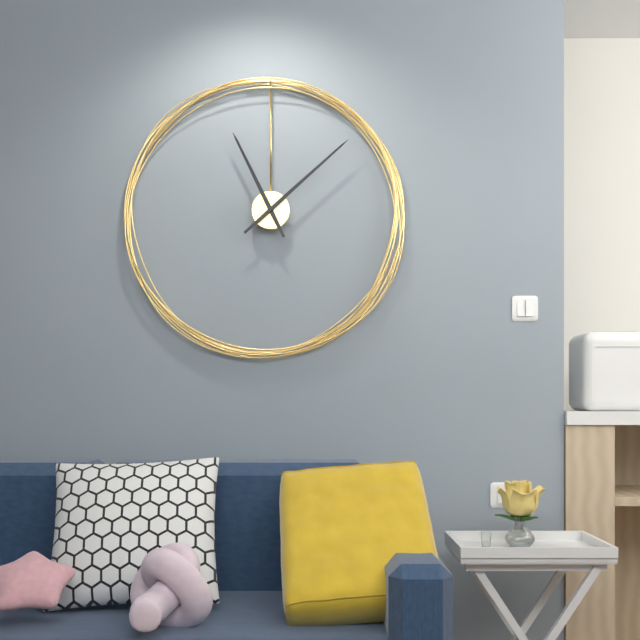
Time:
{"hour": 11, "minute": 8}
